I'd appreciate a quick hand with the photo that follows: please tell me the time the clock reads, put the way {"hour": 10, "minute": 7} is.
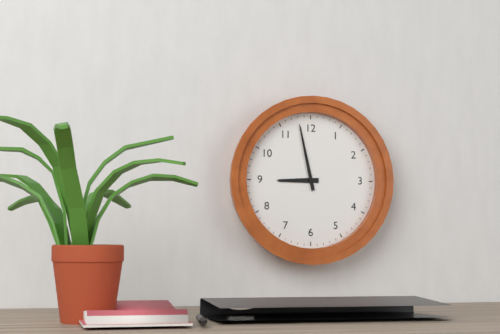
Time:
{"hour": 8, "minute": 58}
